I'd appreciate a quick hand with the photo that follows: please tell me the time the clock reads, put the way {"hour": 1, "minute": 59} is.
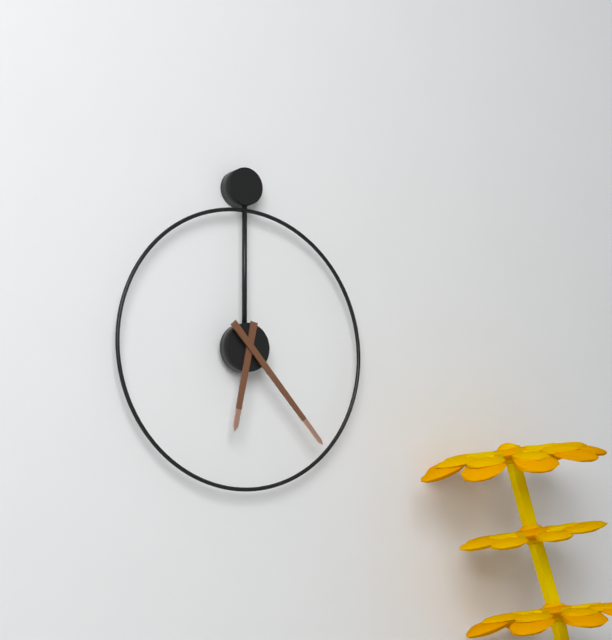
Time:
{"hour": 6, "minute": 23}
